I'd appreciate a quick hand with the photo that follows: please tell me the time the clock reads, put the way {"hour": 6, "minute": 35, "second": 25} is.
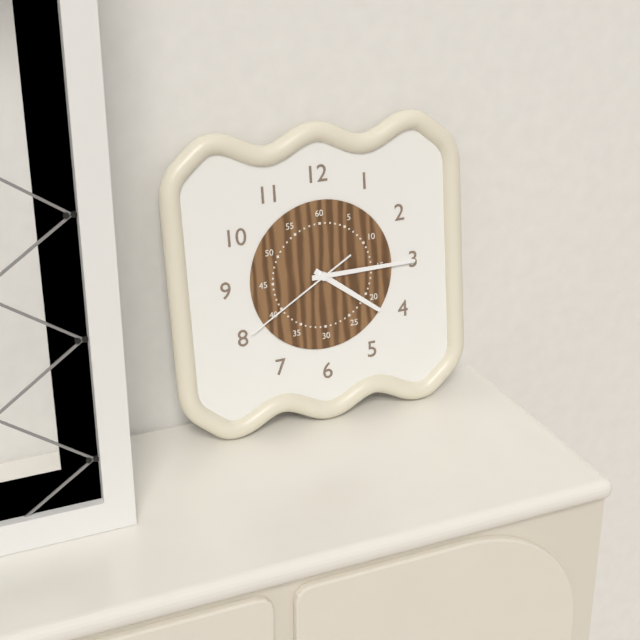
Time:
{"hour": 4, "minute": 15, "second": 40}
